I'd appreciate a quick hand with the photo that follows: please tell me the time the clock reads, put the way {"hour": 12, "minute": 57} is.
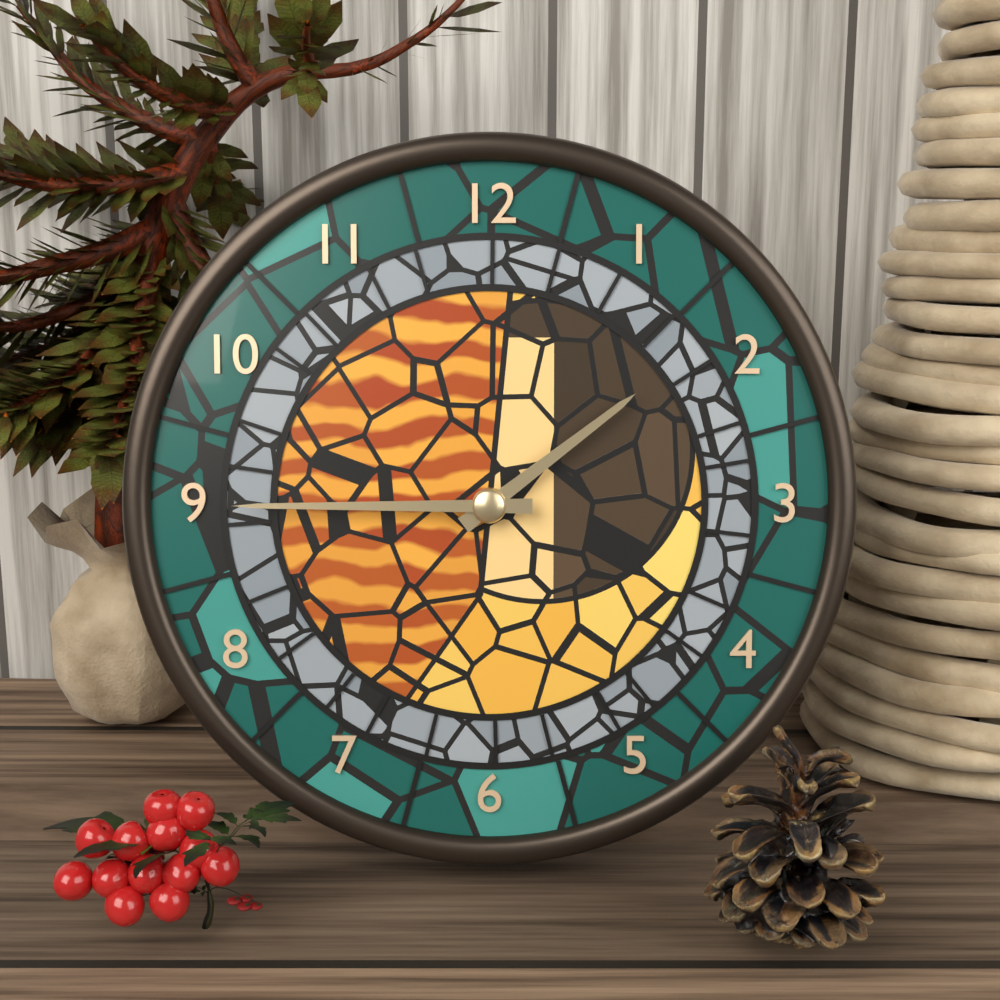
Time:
{"hour": 1, "minute": 45}
